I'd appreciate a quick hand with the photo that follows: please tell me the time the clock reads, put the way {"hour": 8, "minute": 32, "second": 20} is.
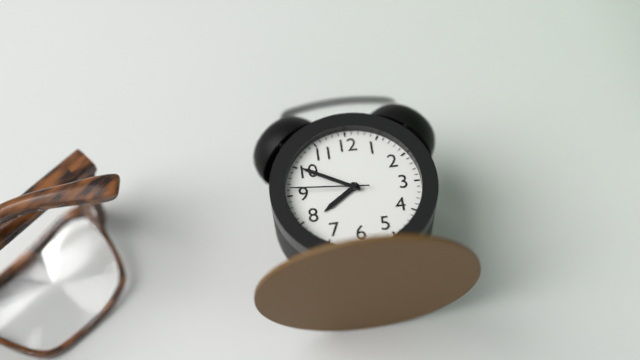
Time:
{"hour": 7, "minute": 50, "second": 46}
